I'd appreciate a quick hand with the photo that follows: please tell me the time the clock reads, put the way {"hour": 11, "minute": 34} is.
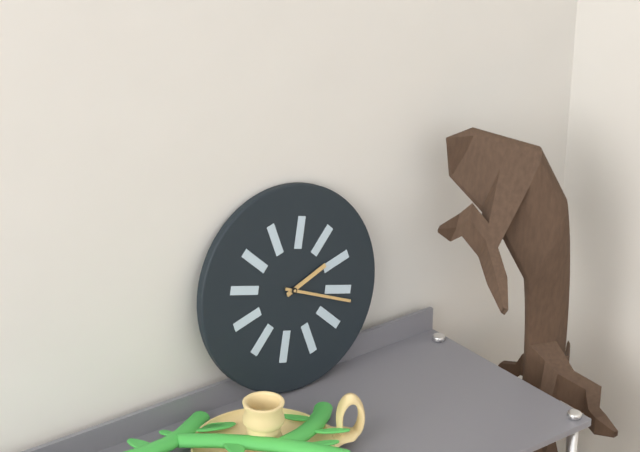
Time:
{"hour": 2, "minute": 19}
